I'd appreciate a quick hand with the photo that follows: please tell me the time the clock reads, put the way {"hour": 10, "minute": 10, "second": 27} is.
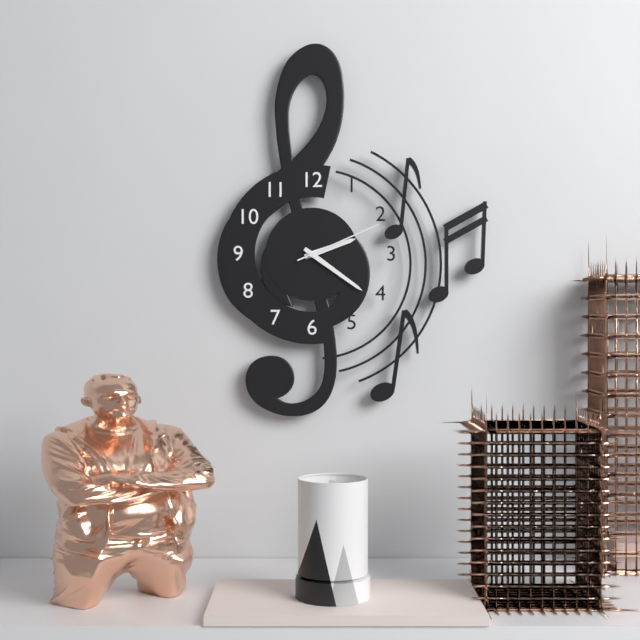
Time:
{"hour": 2, "minute": 21, "second": 11}
